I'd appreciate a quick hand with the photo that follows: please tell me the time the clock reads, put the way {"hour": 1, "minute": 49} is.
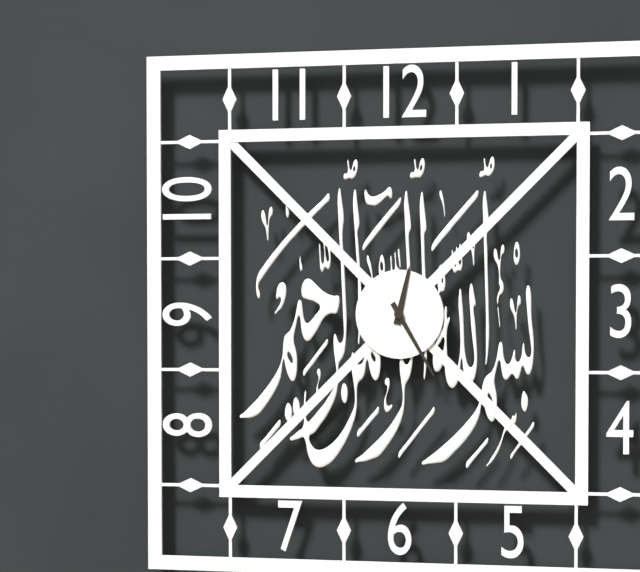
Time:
{"hour": 12, "minute": 25}
